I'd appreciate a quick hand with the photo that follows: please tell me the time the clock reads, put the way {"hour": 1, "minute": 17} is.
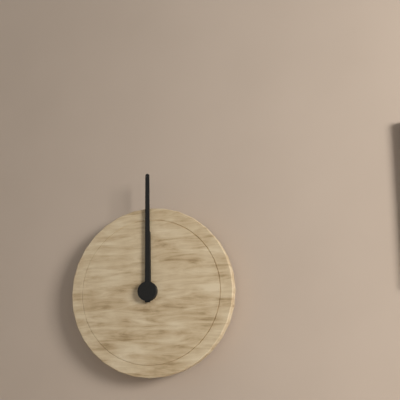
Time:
{"hour": 12, "minute": 0}
